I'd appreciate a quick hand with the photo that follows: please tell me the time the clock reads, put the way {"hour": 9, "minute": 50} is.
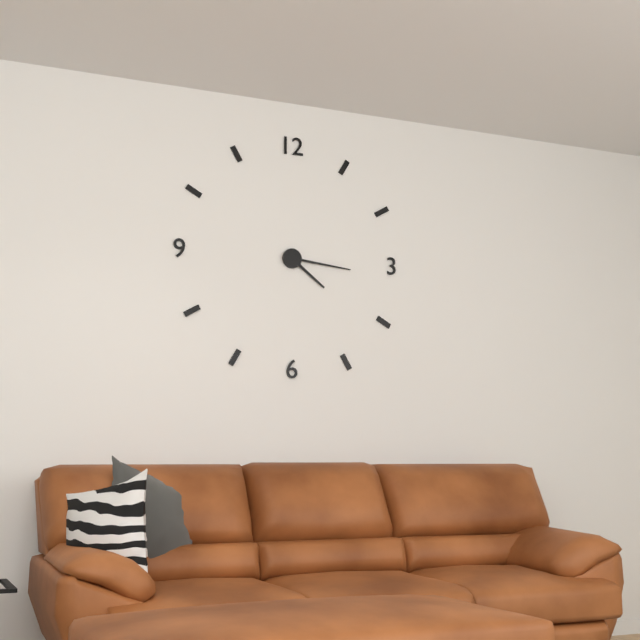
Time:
{"hour": 4, "minute": 16}
